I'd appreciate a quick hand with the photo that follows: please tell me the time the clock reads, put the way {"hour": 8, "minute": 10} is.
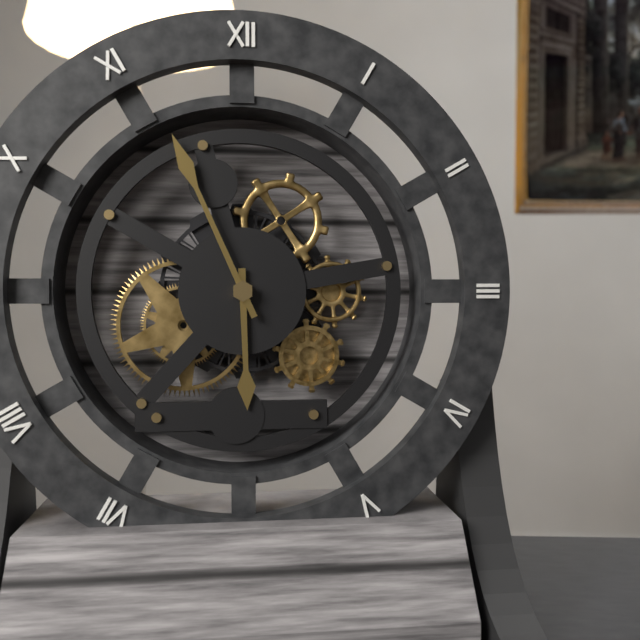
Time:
{"hour": 5, "minute": 56}
